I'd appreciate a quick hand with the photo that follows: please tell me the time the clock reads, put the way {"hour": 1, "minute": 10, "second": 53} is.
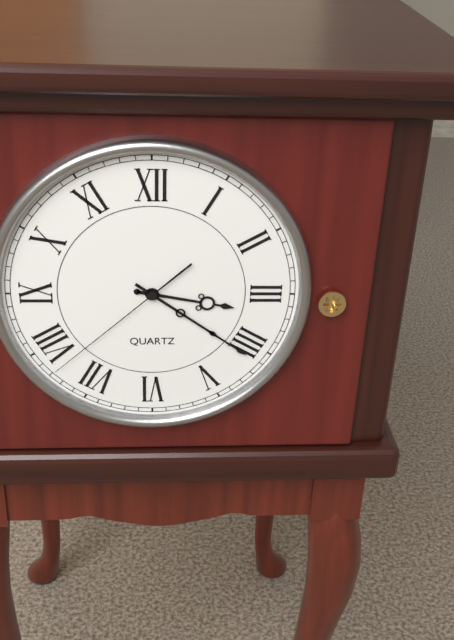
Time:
{"hour": 3, "minute": 21, "second": 38}
